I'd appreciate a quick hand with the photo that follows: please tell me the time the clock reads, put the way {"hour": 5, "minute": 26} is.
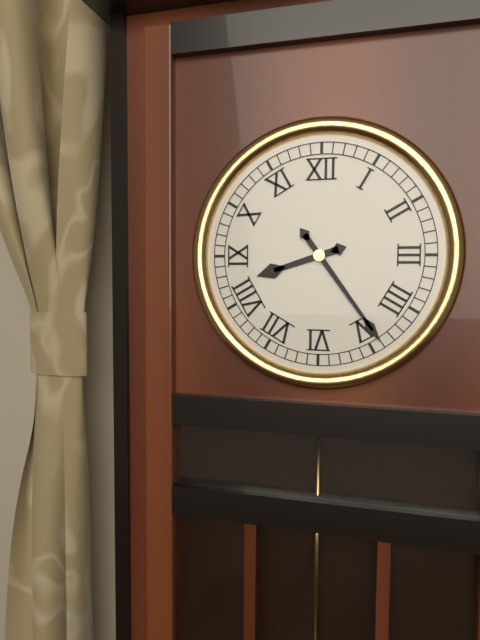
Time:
{"hour": 8, "minute": 24}
